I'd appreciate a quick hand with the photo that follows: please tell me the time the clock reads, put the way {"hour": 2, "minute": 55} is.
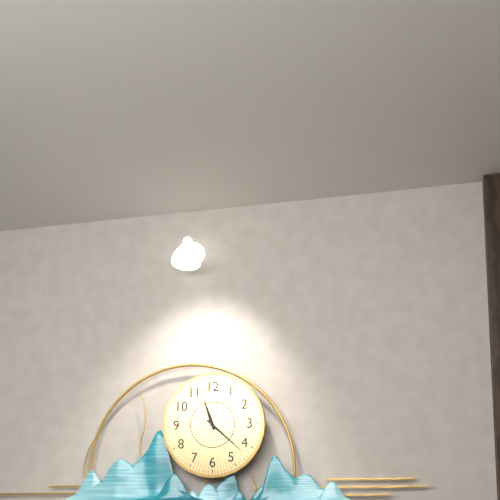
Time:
{"hour": 11, "minute": 22}
